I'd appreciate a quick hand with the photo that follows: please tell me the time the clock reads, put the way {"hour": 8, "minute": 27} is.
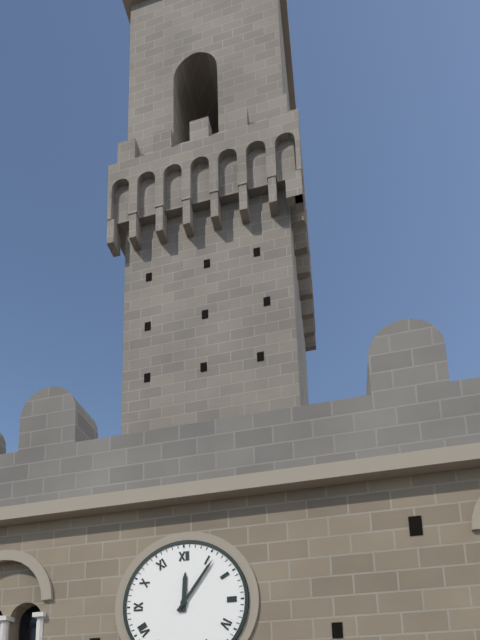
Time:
{"hour": 12, "minute": 6}
